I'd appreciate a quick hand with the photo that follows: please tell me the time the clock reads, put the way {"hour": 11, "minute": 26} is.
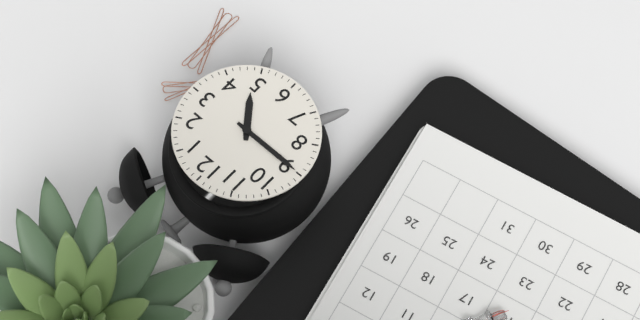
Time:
{"hour": 4, "minute": 45}
